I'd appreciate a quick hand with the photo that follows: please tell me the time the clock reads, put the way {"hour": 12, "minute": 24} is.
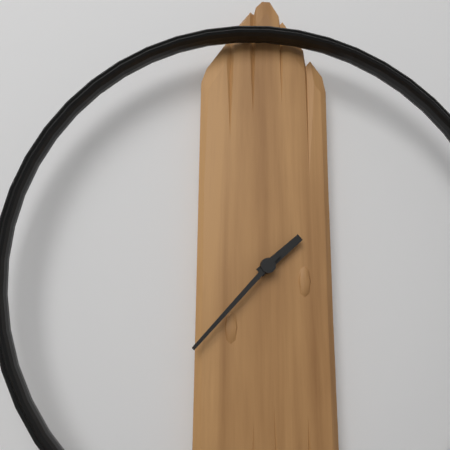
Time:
{"hour": 1, "minute": 37}
